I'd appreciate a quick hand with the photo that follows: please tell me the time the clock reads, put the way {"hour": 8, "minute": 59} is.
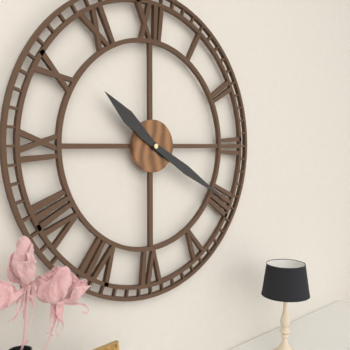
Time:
{"hour": 10, "minute": 20}
